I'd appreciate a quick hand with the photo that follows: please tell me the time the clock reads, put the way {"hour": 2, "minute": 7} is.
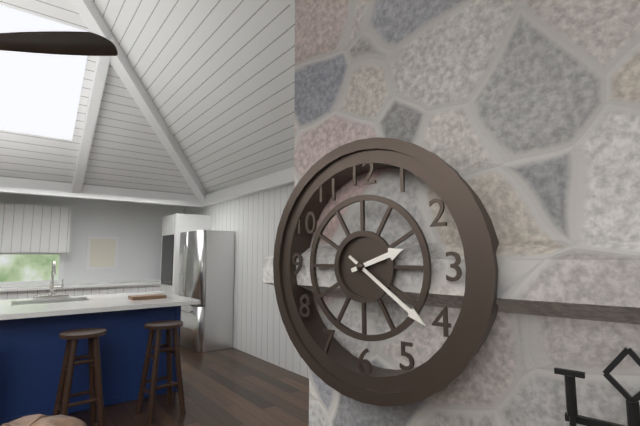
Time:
{"hour": 2, "minute": 21}
